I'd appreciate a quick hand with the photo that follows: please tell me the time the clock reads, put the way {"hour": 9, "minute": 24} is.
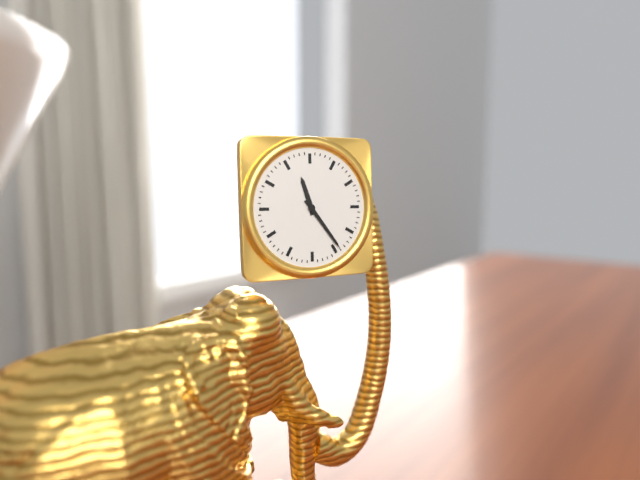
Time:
{"hour": 11, "minute": 24}
